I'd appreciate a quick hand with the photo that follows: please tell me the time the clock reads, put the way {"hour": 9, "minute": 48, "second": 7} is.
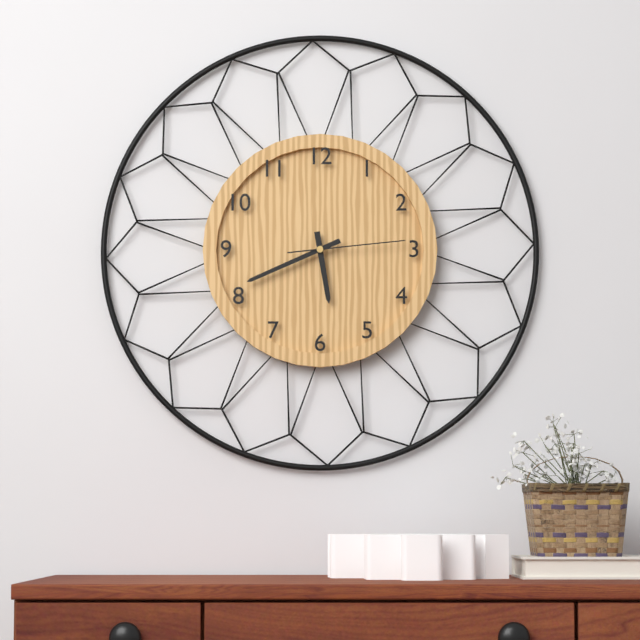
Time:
{"hour": 5, "minute": 41, "second": 14}
